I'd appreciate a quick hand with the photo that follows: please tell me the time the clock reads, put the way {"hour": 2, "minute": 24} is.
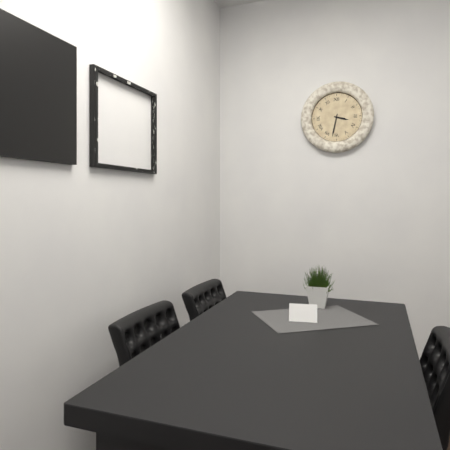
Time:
{"hour": 3, "minute": 32}
